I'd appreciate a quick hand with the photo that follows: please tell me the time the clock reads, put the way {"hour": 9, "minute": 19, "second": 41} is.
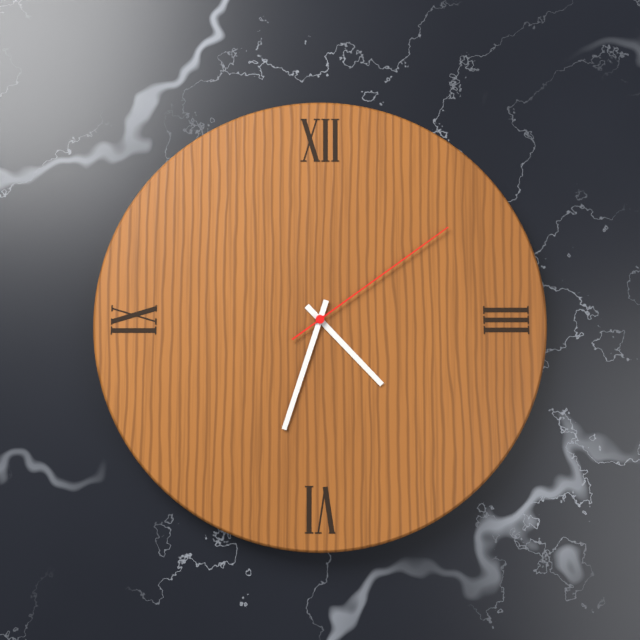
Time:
{"hour": 4, "minute": 33, "second": 9}
